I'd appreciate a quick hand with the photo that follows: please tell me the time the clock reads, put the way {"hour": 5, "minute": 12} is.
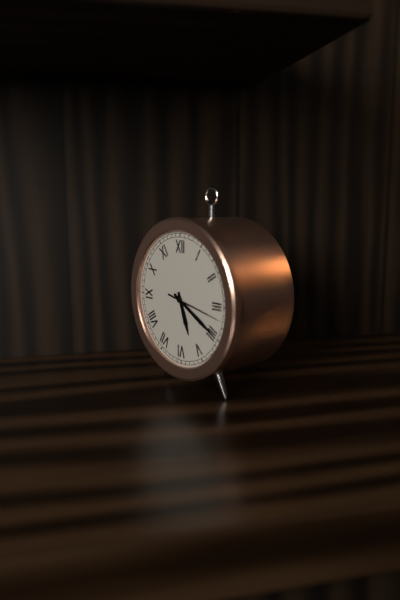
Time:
{"hour": 5, "minute": 20}
